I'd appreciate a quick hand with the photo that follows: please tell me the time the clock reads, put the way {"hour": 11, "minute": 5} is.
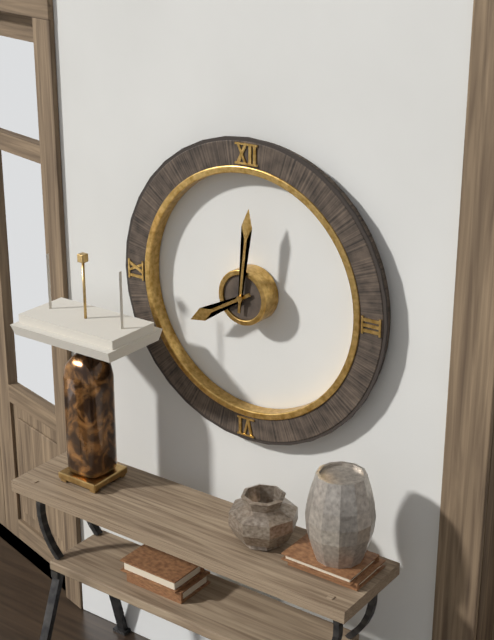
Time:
{"hour": 8, "minute": 1}
